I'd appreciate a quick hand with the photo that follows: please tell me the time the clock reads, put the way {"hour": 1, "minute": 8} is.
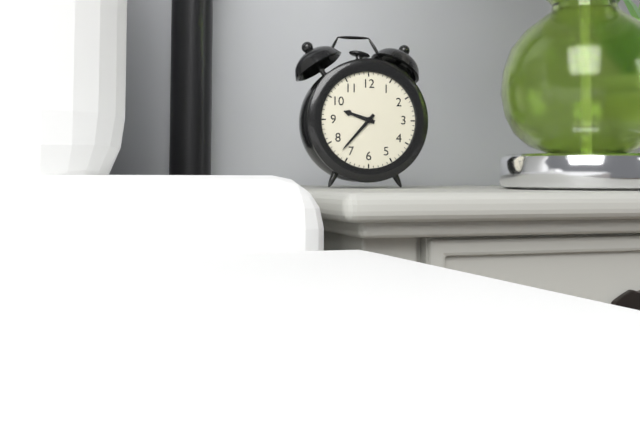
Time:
{"hour": 9, "minute": 37}
